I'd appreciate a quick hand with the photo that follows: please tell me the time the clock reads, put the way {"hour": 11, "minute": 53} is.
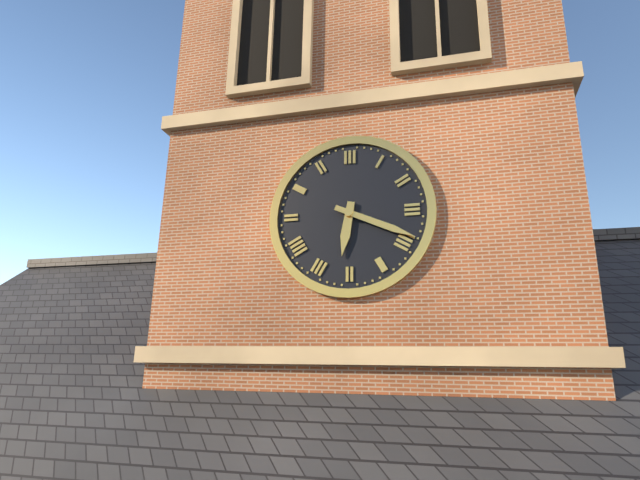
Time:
{"hour": 6, "minute": 19}
